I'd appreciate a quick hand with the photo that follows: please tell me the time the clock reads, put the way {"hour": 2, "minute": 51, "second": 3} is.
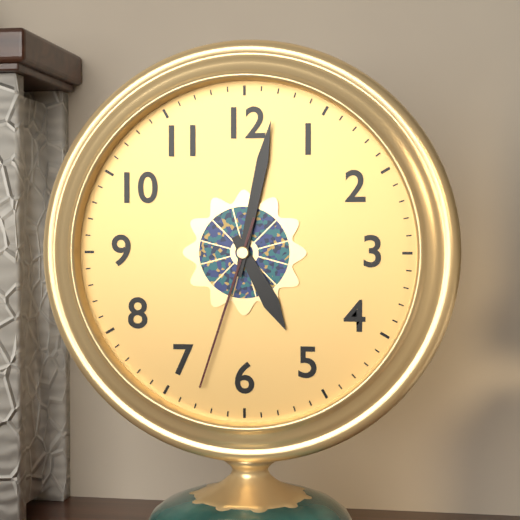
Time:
{"hour": 5, "minute": 2, "second": 33}
